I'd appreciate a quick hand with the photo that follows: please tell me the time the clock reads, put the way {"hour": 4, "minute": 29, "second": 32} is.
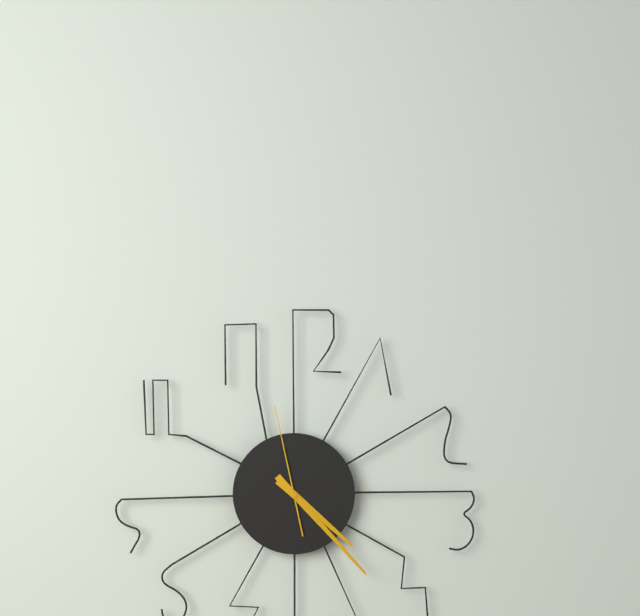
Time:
{"hour": 4, "minute": 23, "second": 58}
